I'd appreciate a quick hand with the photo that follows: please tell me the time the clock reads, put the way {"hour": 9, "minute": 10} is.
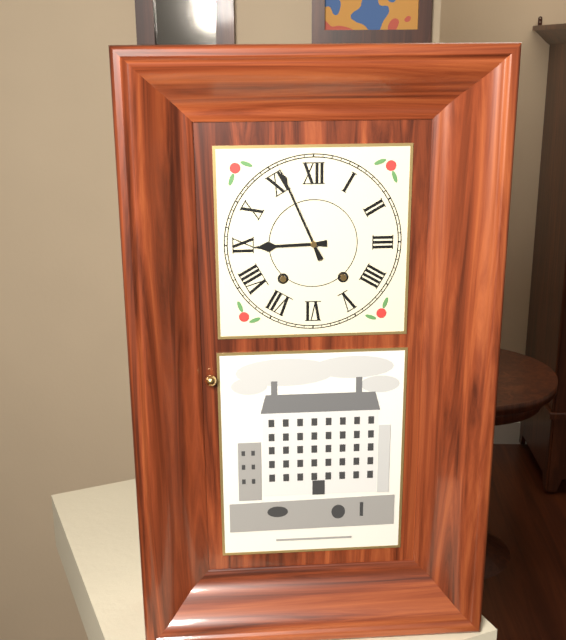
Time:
{"hour": 8, "minute": 56}
